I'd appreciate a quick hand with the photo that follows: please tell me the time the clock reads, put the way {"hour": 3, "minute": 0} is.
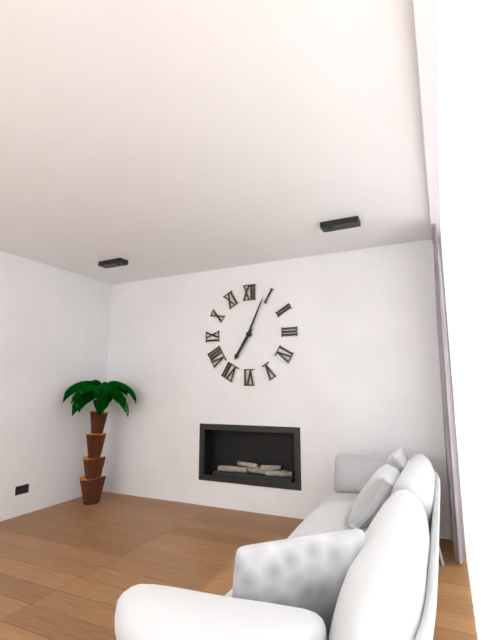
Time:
{"hour": 7, "minute": 4}
